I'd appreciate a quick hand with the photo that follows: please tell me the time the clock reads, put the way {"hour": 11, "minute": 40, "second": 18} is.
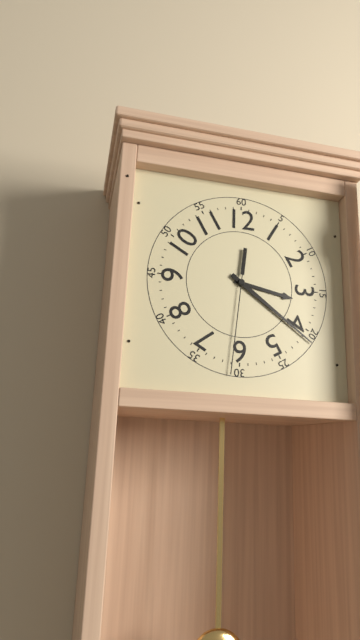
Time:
{"hour": 3, "minute": 21, "second": 31}
